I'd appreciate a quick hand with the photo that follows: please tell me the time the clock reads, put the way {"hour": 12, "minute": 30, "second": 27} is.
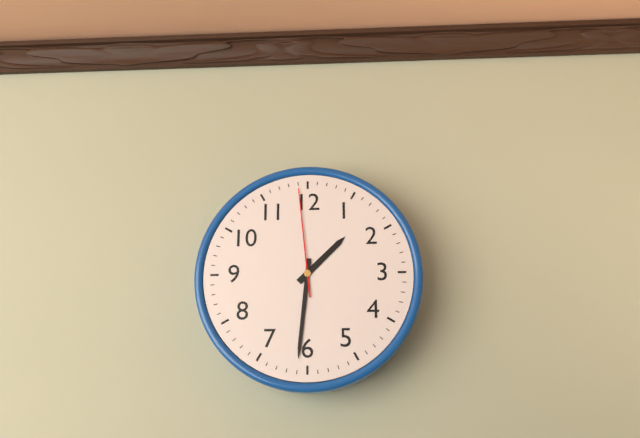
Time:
{"hour": 1, "minute": 31, "second": 59}
